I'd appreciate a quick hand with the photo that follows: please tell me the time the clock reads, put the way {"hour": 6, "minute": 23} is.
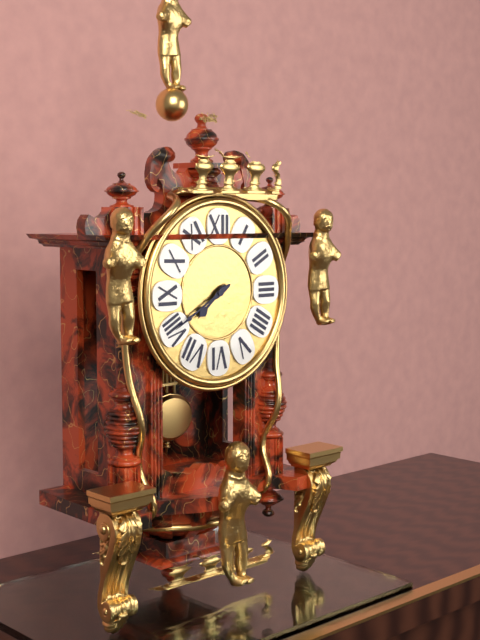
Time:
{"hour": 7, "minute": 40}
